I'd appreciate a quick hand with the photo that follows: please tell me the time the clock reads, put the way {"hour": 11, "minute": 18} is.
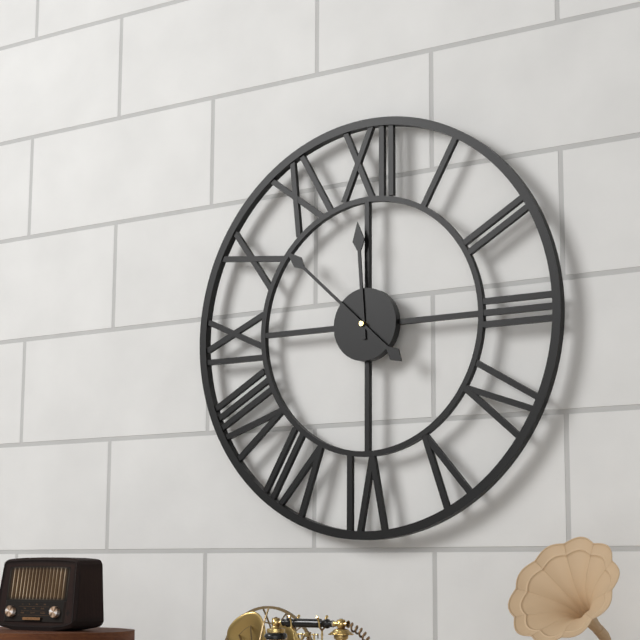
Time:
{"hour": 11, "minute": 52}
